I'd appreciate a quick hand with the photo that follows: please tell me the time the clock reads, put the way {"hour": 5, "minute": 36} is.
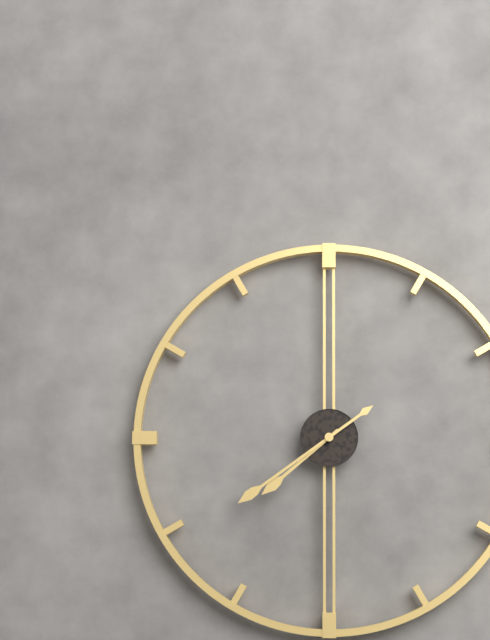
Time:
{"hour": 7, "minute": 39}
